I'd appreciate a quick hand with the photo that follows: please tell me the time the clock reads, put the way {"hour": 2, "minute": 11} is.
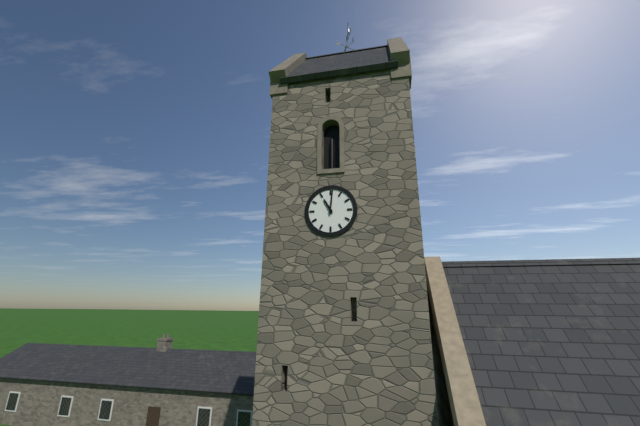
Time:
{"hour": 11, "minute": 1}
